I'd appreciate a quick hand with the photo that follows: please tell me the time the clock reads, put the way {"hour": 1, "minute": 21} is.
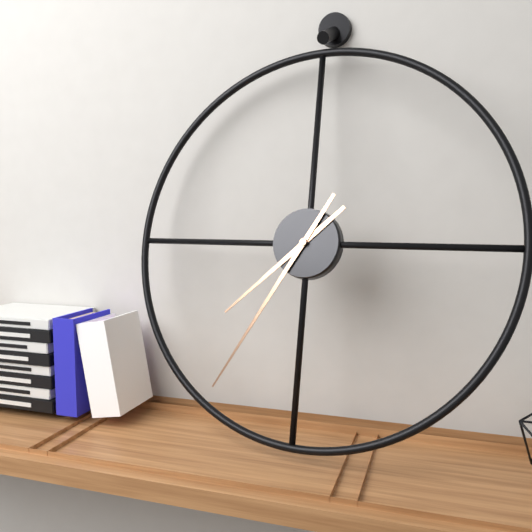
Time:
{"hour": 7, "minute": 35}
